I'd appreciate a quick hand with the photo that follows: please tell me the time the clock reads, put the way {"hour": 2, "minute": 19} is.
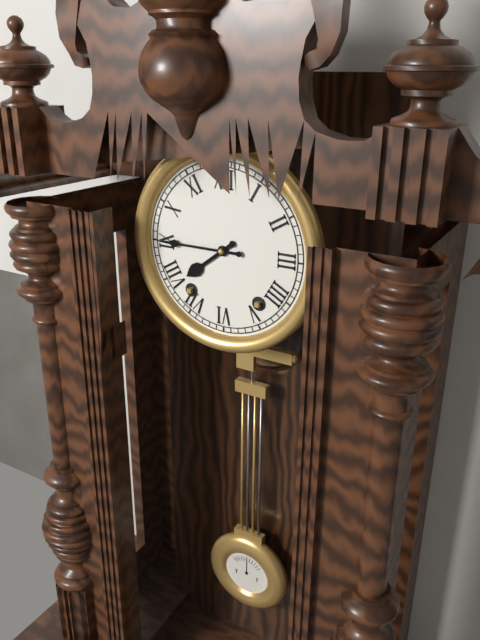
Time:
{"hour": 7, "minute": 45}
